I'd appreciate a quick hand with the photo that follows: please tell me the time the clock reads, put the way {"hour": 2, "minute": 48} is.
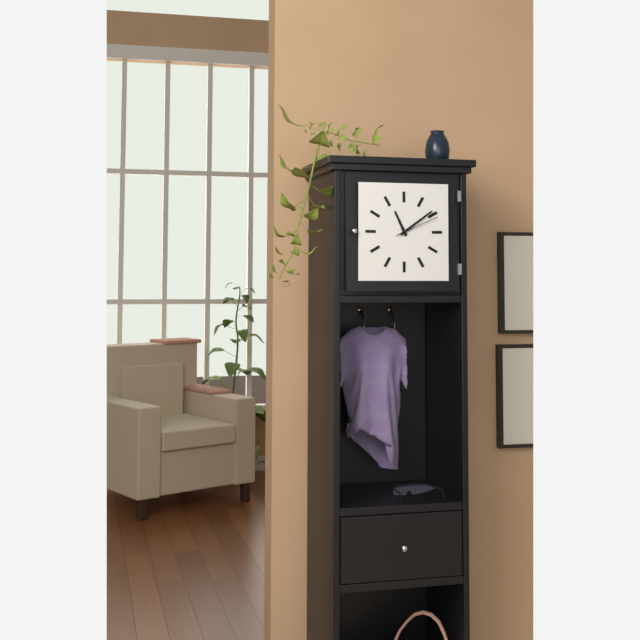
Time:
{"hour": 11, "minute": 9}
